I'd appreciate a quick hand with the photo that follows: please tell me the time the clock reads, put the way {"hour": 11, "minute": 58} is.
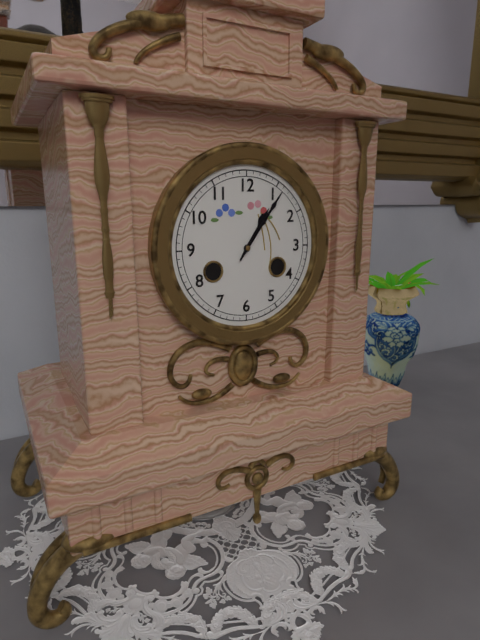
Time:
{"hour": 1, "minute": 6}
